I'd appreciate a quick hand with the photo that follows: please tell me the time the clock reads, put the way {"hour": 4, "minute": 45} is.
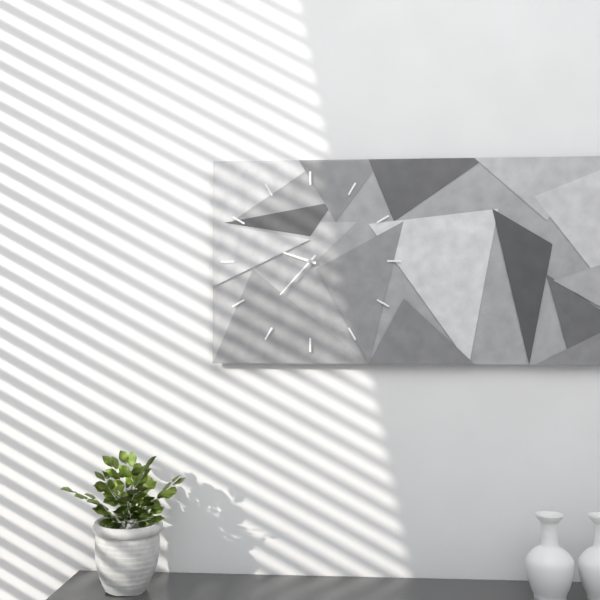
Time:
{"hour": 9, "minute": 37}
